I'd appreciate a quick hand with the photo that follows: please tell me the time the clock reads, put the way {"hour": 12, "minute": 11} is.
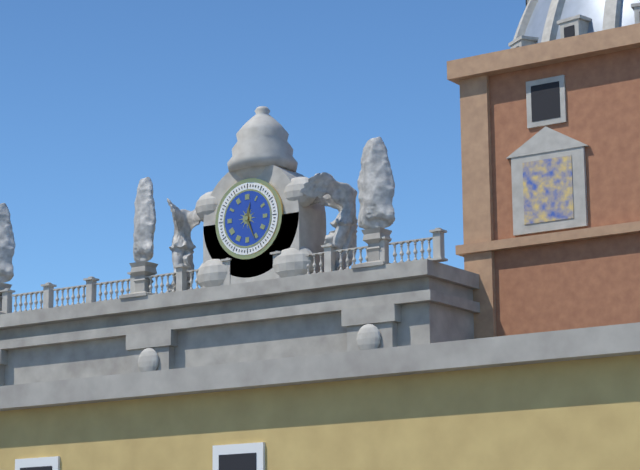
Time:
{"hour": 12, "minute": 26}
